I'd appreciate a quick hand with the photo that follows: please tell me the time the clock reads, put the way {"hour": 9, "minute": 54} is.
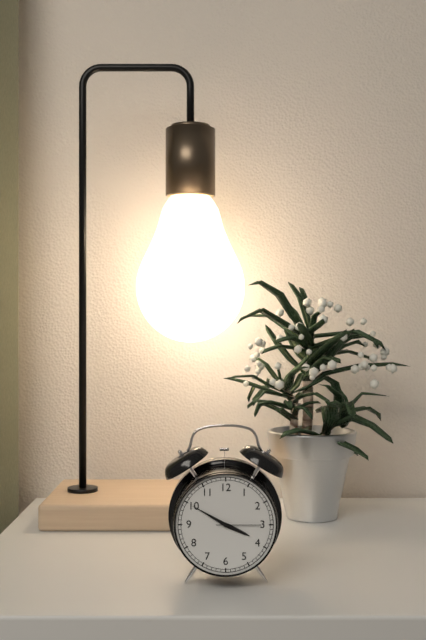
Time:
{"hour": 3, "minute": 50}
